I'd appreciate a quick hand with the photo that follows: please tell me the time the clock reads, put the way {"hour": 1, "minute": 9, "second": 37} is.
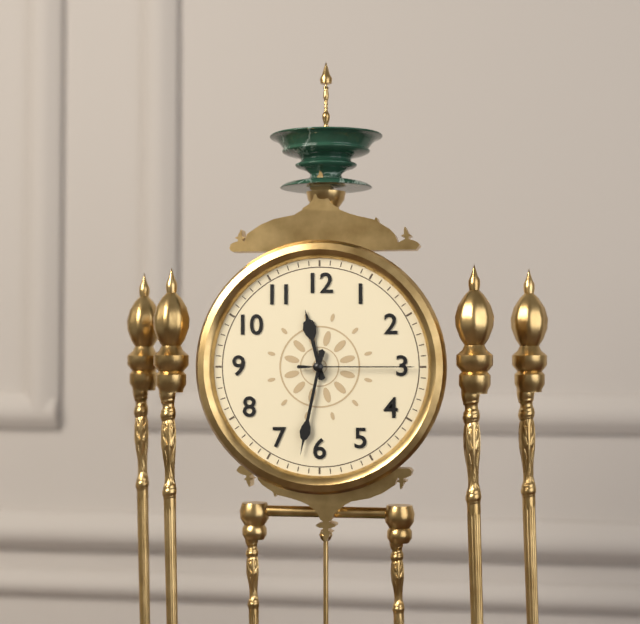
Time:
{"hour": 11, "minute": 32, "second": 15}
